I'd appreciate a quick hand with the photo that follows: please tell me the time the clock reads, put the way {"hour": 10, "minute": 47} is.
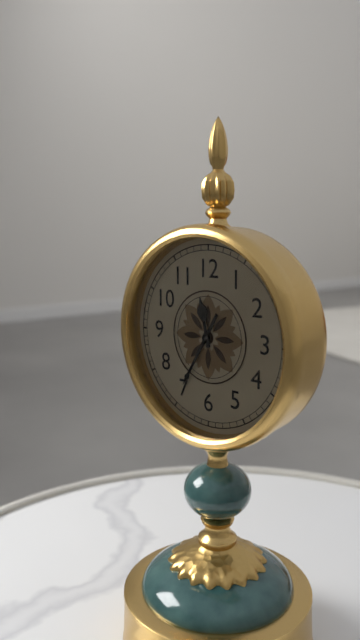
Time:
{"hour": 11, "minute": 35}
